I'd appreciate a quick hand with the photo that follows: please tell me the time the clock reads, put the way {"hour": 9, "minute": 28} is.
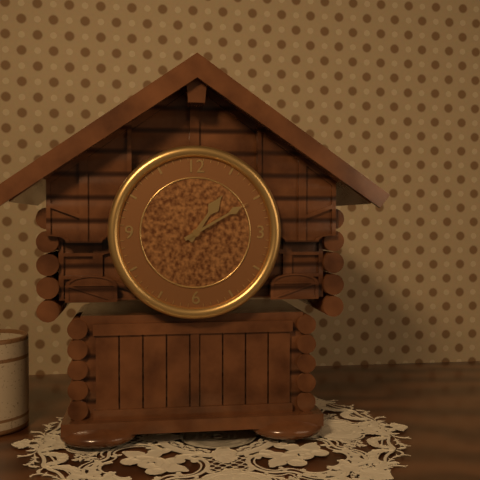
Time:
{"hour": 1, "minute": 10}
